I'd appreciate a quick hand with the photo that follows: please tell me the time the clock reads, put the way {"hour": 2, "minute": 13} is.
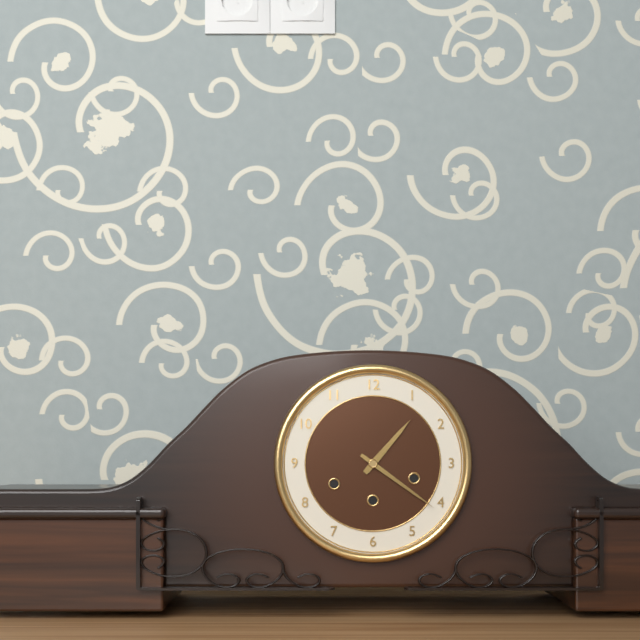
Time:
{"hour": 1, "minute": 21}
